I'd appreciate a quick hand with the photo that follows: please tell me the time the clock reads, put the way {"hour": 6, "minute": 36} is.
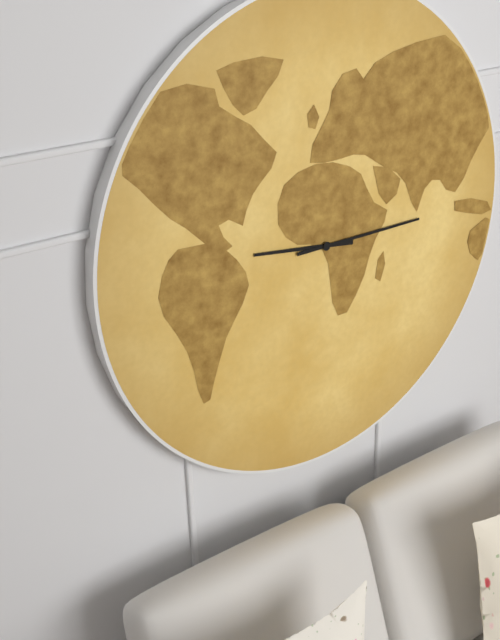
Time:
{"hour": 9, "minute": 15}
